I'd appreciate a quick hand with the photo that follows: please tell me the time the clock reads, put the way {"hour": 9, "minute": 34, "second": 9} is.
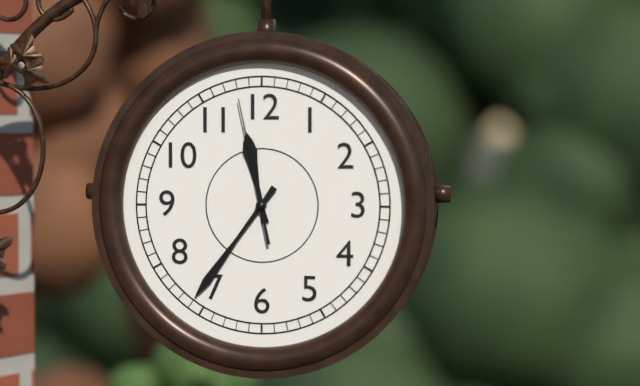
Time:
{"hour": 11, "minute": 36, "second": 58}
